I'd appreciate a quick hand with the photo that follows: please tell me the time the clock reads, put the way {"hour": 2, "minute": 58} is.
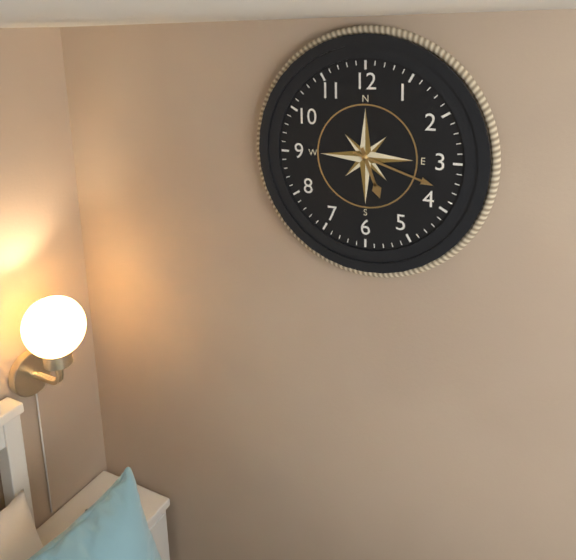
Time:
{"hour": 5, "minute": 18}
